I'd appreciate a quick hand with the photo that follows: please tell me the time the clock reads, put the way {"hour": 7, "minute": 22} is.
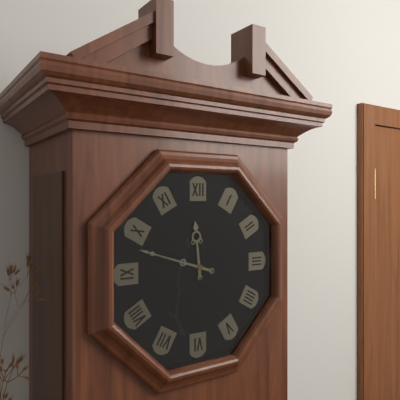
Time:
{"hour": 11, "minute": 48}
